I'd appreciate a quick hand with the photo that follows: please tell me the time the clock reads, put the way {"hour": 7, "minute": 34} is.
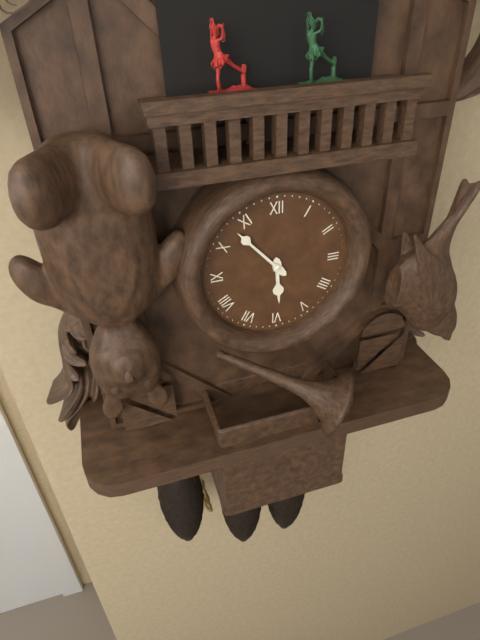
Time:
{"hour": 5, "minute": 53}
